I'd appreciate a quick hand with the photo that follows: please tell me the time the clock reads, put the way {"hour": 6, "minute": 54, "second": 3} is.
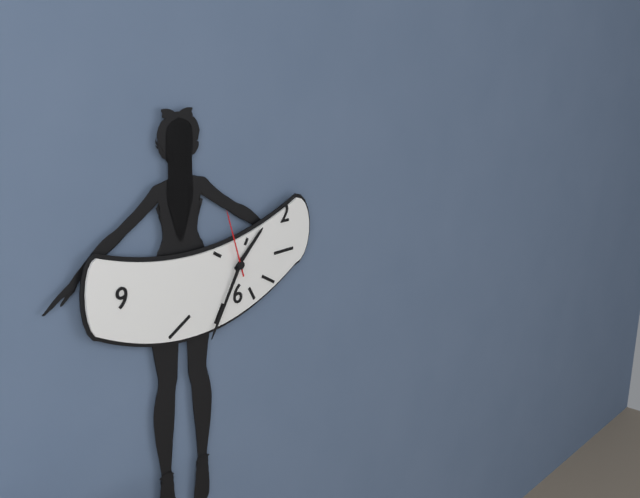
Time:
{"hour": 1, "minute": 35, "second": 57}
